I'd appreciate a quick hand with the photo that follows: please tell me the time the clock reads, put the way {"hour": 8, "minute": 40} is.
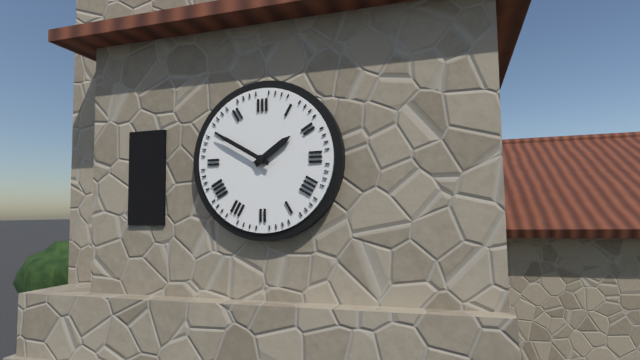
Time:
{"hour": 1, "minute": 50}
